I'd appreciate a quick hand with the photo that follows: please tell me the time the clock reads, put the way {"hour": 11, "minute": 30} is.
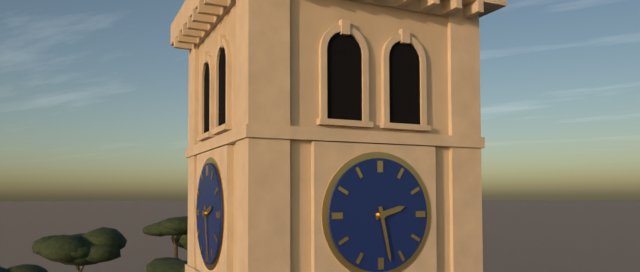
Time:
{"hour": 2, "minute": 28}
